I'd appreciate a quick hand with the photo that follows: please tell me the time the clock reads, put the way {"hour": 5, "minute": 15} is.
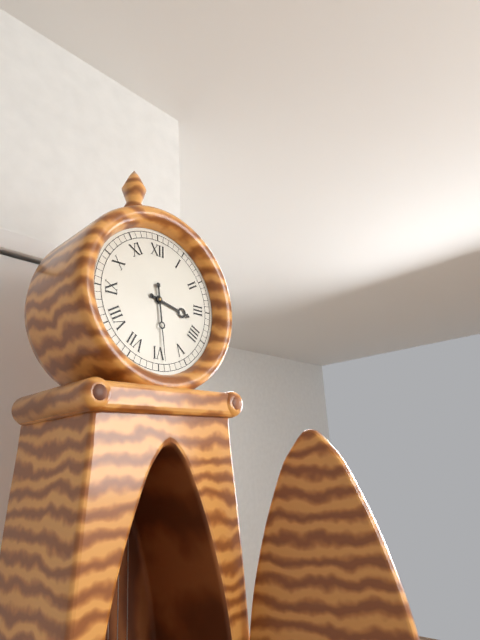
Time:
{"hour": 3, "minute": 29}
